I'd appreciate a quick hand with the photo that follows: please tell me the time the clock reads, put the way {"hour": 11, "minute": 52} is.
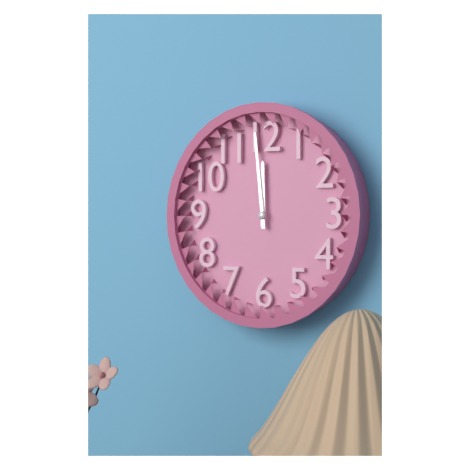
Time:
{"hour": 11, "minute": 59}
